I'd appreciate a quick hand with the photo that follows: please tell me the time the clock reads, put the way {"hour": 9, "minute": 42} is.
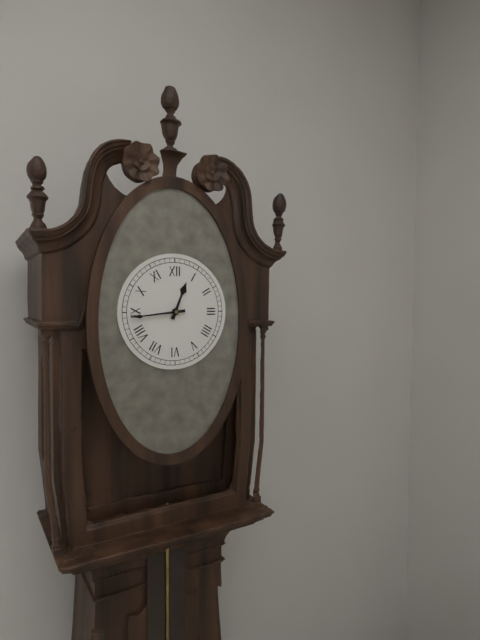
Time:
{"hour": 12, "minute": 44}
